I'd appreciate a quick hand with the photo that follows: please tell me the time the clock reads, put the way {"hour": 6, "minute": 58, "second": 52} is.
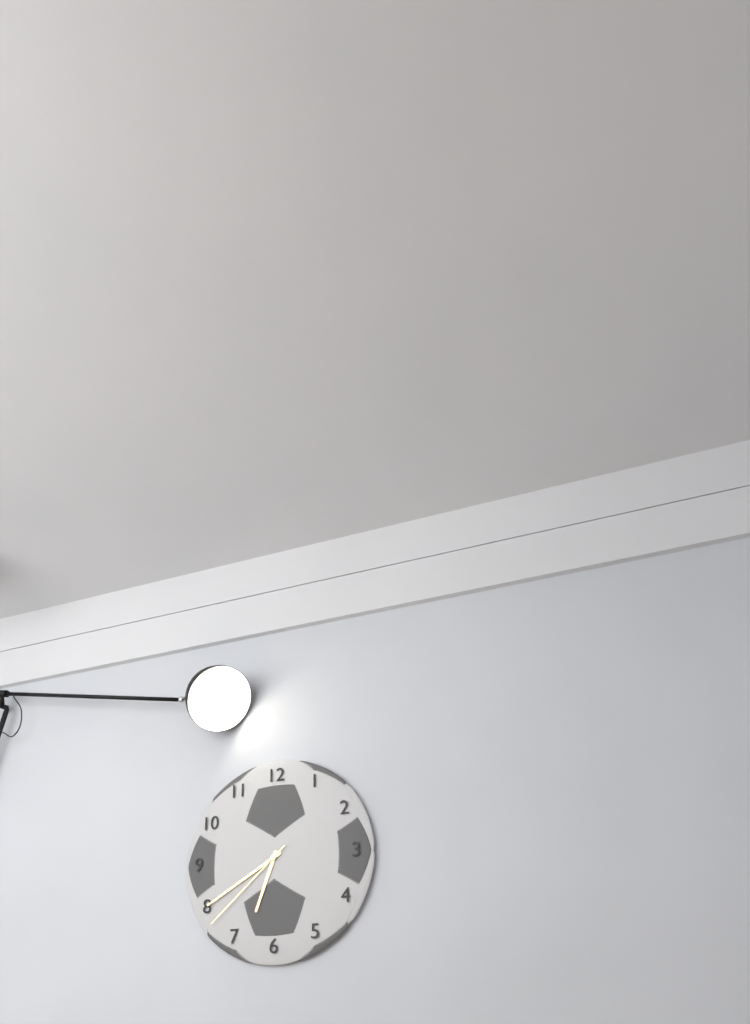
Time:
{"hour": 6, "minute": 40, "second": 38}
